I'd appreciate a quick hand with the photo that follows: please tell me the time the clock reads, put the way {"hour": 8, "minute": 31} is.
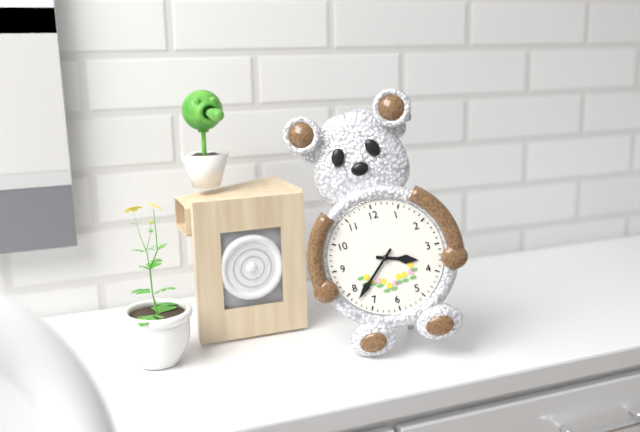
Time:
{"hour": 3, "minute": 38}
